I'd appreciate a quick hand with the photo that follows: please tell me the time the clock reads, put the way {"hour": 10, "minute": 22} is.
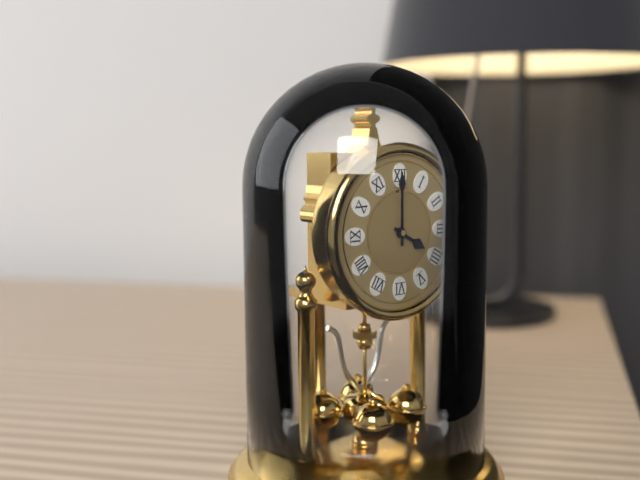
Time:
{"hour": 4, "minute": 0}
